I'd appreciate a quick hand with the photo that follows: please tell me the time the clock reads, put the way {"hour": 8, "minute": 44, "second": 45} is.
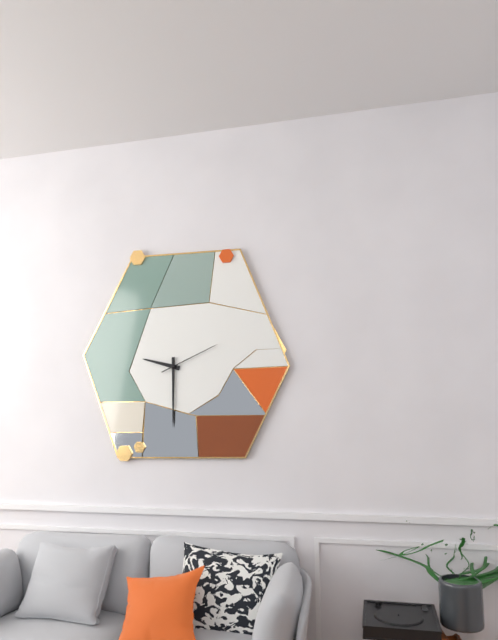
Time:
{"hour": 9, "minute": 30, "second": 11}
